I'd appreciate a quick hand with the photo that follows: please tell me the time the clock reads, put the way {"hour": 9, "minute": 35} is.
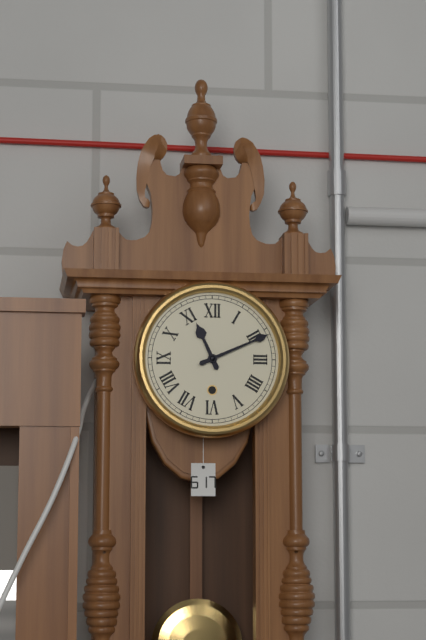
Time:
{"hour": 11, "minute": 11}
